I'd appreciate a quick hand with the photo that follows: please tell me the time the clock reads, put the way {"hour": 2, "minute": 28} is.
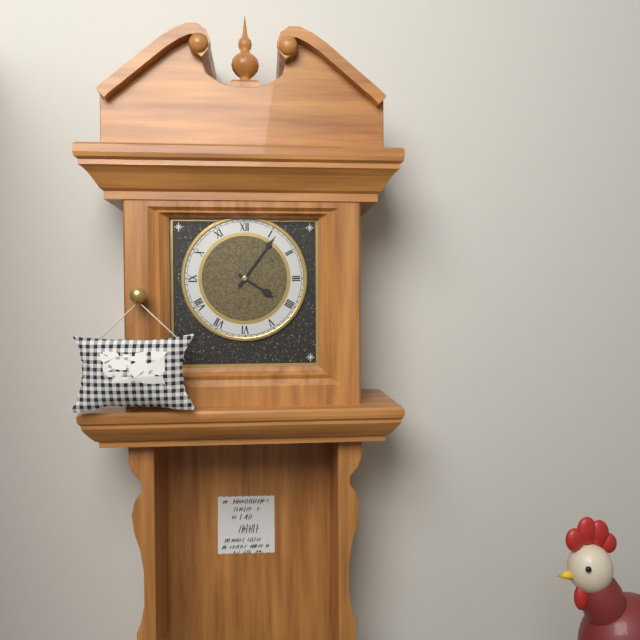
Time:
{"hour": 4, "minute": 6}
